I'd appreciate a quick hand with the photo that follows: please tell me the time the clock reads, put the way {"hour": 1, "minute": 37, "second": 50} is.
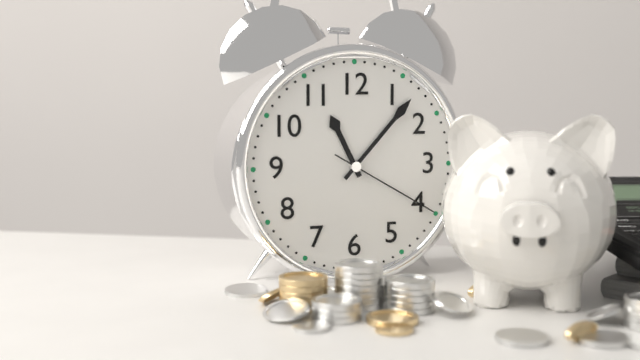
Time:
{"hour": 11, "minute": 7, "second": 20}
